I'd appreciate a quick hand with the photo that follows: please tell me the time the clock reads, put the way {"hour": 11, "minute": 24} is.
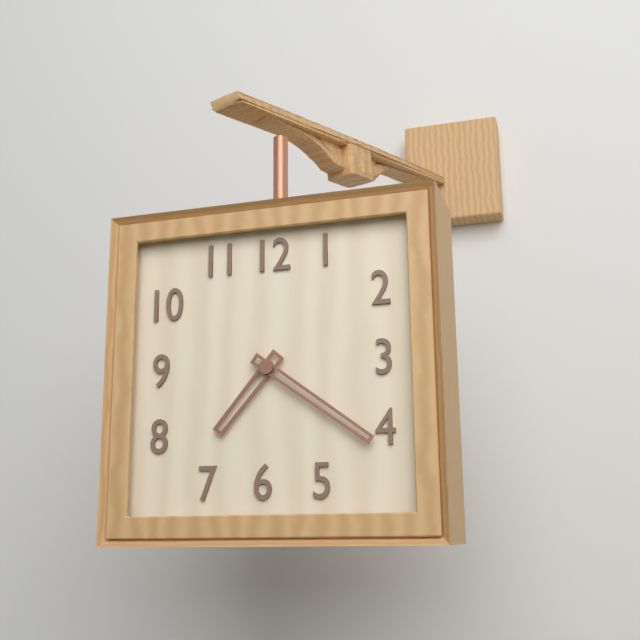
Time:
{"hour": 7, "minute": 21}
